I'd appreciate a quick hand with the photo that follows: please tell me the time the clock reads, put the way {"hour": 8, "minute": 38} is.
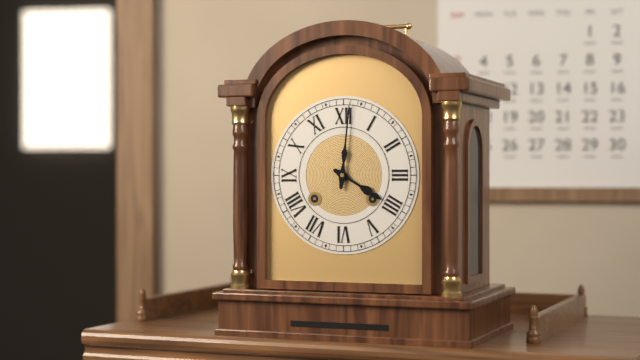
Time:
{"hour": 4, "minute": 1}
